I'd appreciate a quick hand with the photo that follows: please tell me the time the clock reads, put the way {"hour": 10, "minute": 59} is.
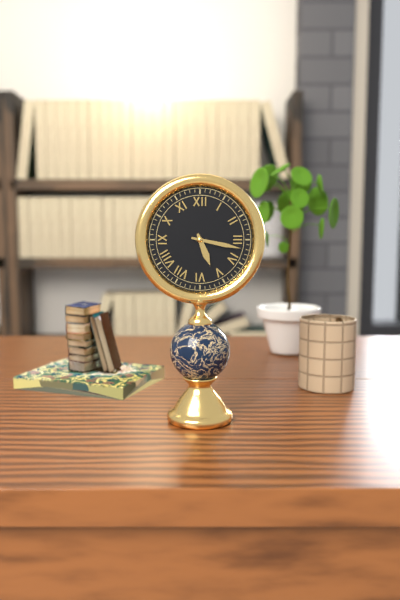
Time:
{"hour": 5, "minute": 17}
